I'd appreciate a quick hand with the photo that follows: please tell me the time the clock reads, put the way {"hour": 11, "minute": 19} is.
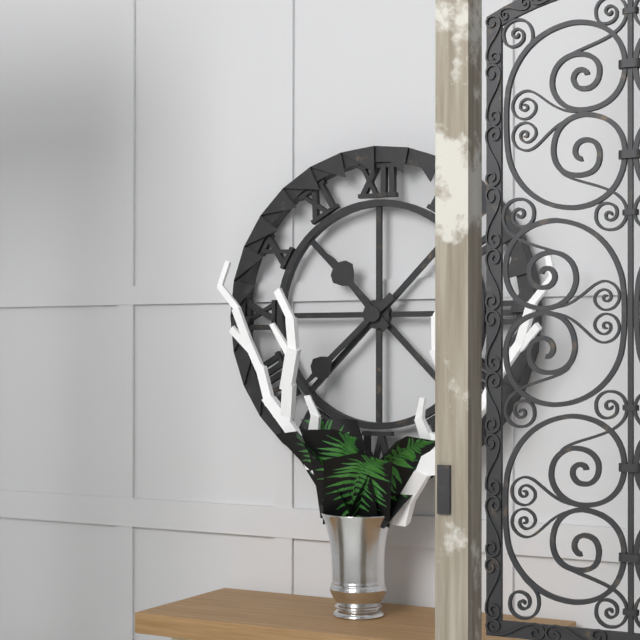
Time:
{"hour": 10, "minute": 38}
